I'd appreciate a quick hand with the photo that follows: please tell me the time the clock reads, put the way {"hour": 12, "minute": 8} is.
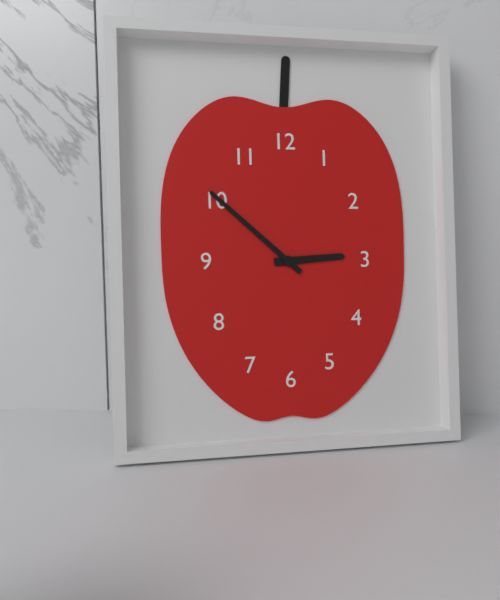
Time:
{"hour": 2, "minute": 52}
